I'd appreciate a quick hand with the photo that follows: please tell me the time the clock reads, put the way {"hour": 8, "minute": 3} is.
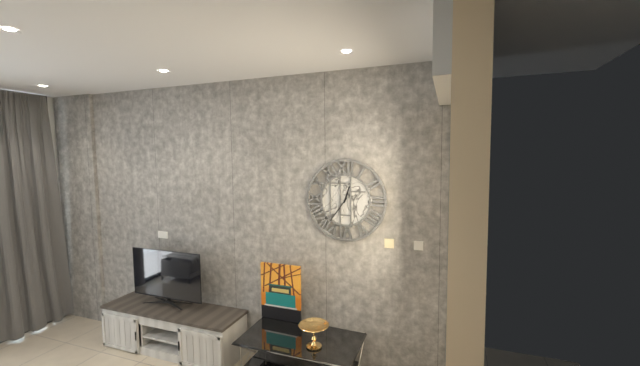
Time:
{"hour": 12, "minute": 36}
